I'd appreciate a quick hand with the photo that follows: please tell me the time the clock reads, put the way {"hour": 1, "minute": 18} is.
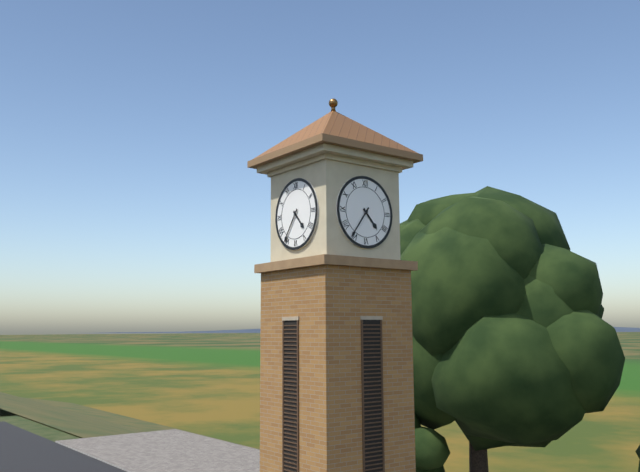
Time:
{"hour": 4, "minute": 36}
